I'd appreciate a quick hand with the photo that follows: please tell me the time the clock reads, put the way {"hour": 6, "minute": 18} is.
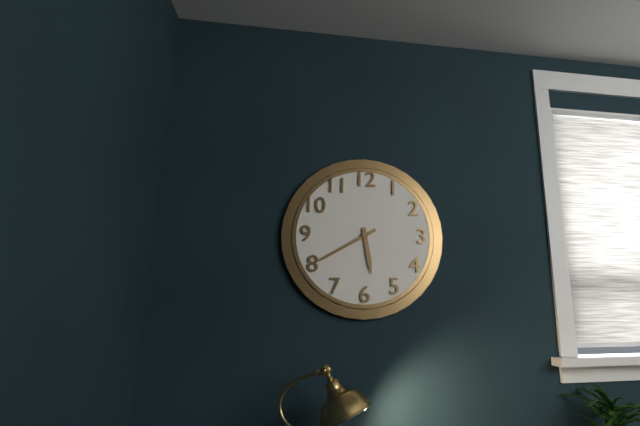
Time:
{"hour": 5, "minute": 40}
